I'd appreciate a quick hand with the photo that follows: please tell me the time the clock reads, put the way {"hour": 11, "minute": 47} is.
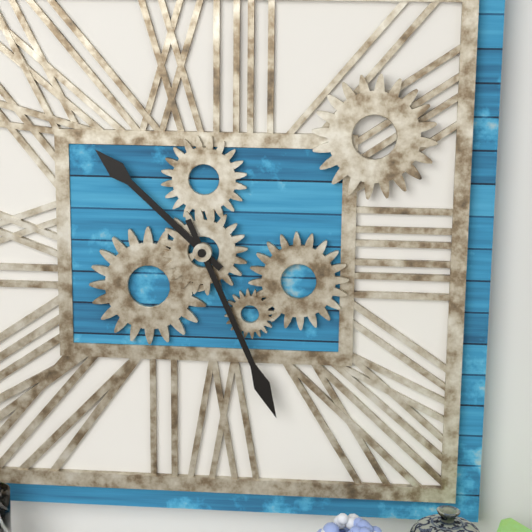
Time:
{"hour": 10, "minute": 26}
